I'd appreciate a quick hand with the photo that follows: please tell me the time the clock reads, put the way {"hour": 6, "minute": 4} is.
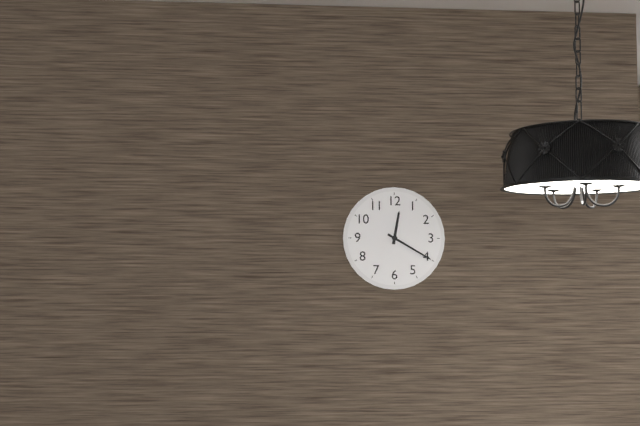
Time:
{"hour": 12, "minute": 20}
